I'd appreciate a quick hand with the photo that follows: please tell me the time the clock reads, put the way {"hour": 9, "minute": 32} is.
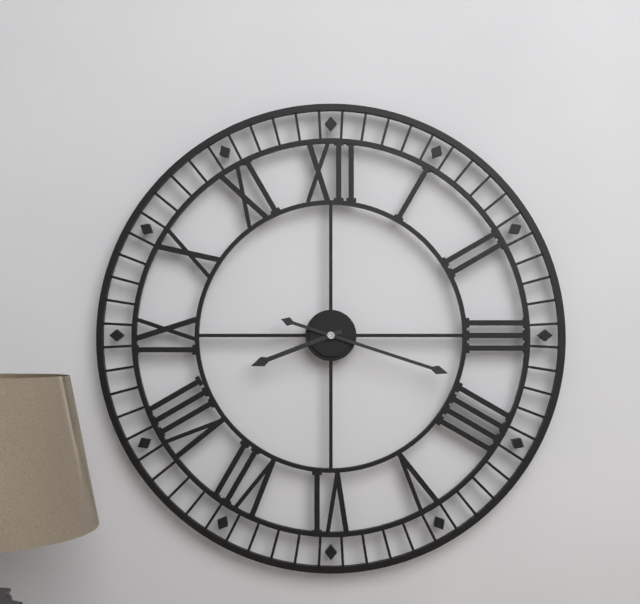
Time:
{"hour": 8, "minute": 18}
